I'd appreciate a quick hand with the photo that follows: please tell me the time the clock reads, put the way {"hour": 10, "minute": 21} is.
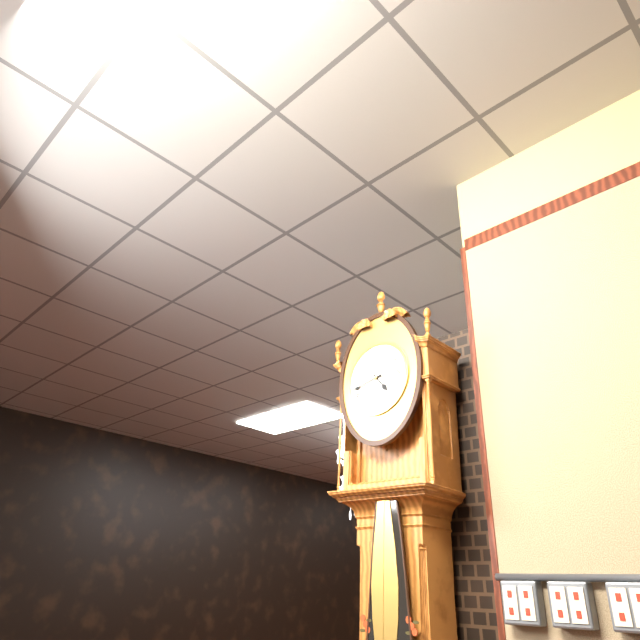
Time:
{"hour": 4, "minute": 43}
